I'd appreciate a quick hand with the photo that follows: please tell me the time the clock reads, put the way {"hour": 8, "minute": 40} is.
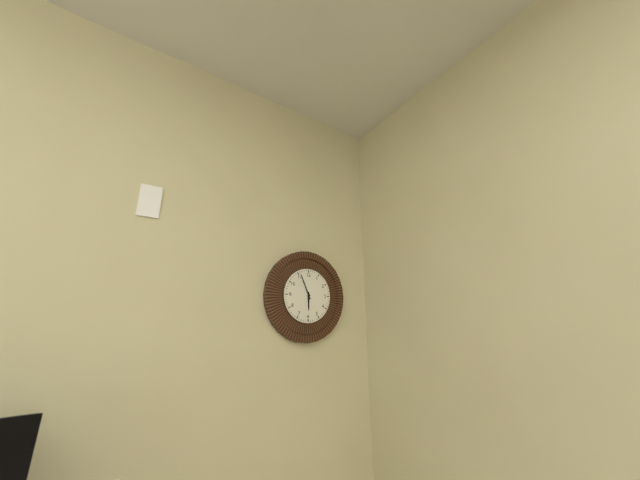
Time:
{"hour": 5, "minute": 56}
